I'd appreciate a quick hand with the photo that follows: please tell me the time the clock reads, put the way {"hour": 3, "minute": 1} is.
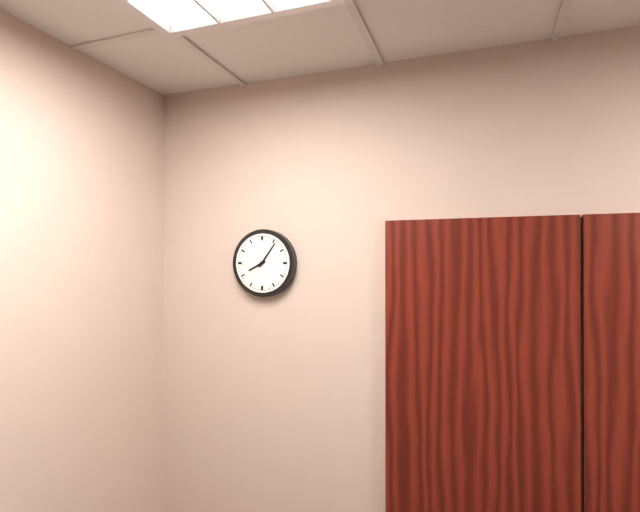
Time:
{"hour": 8, "minute": 6}
